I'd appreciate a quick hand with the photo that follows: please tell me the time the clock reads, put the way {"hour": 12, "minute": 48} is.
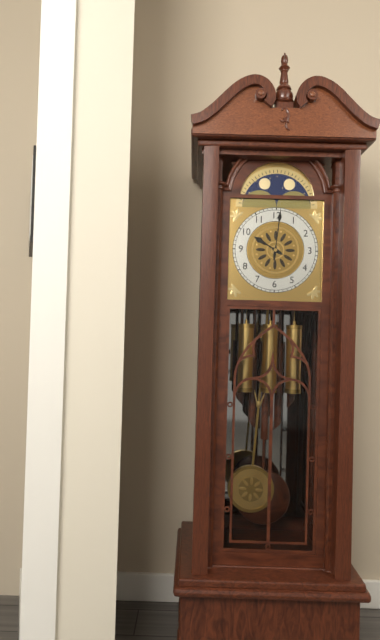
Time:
{"hour": 10, "minute": 1}
